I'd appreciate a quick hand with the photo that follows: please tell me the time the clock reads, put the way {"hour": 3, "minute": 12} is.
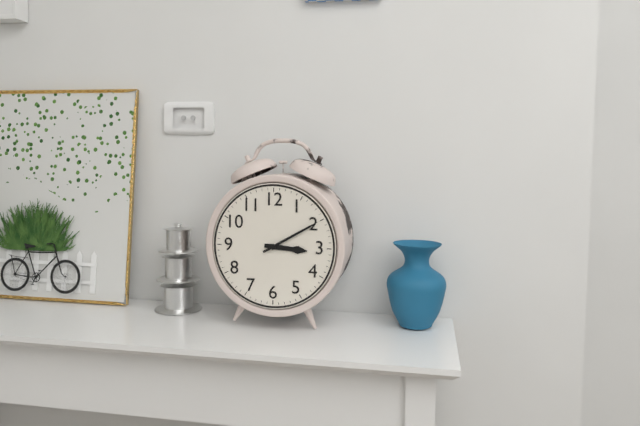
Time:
{"hour": 3, "minute": 10}
